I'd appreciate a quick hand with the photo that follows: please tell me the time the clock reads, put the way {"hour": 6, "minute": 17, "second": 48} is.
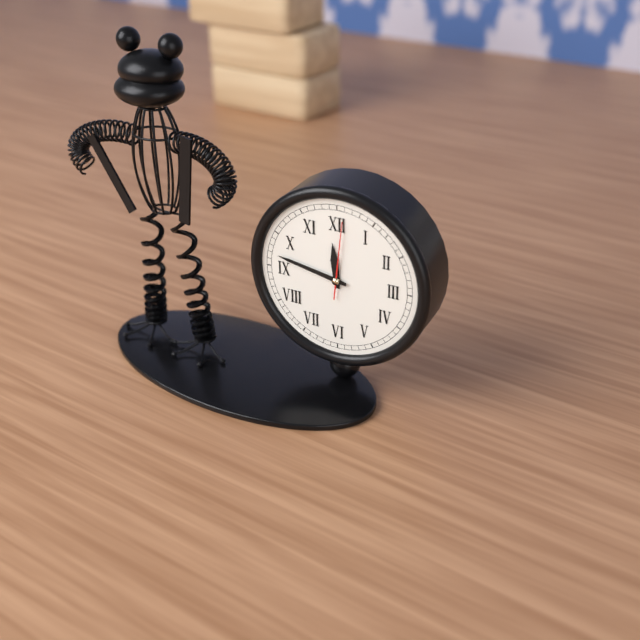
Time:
{"hour": 11, "minute": 47, "second": 1}
